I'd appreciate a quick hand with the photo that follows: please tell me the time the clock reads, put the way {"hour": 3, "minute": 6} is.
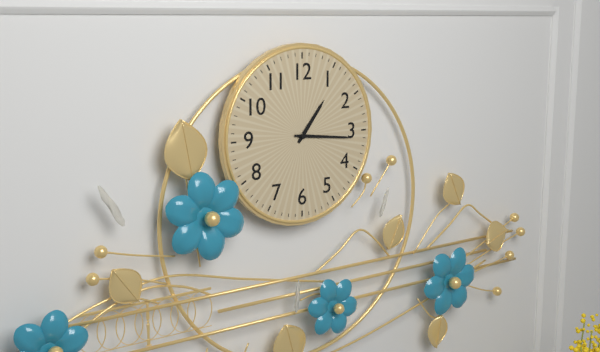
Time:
{"hour": 1, "minute": 16}
